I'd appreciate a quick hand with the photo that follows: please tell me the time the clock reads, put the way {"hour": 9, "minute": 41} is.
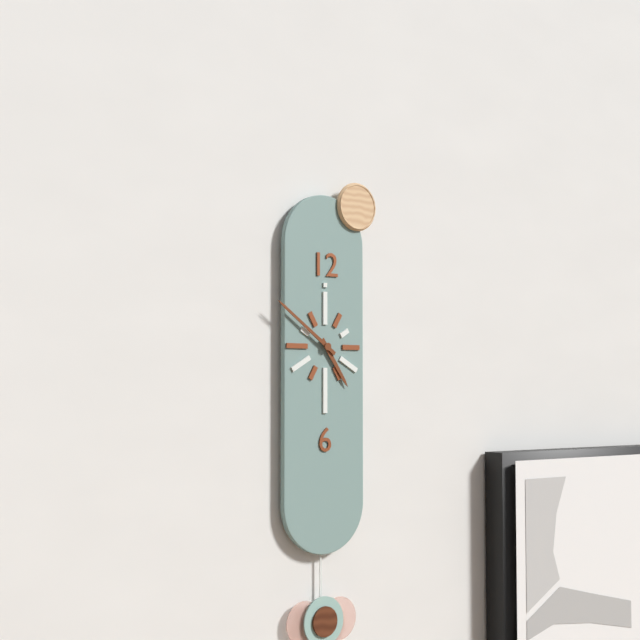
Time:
{"hour": 4, "minute": 51}
